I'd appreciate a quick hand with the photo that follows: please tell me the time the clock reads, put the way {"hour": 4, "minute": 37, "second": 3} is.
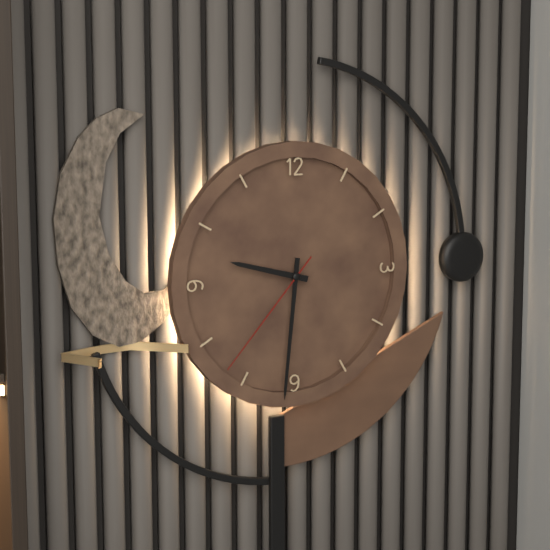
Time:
{"hour": 9, "minute": 31, "second": 37}
